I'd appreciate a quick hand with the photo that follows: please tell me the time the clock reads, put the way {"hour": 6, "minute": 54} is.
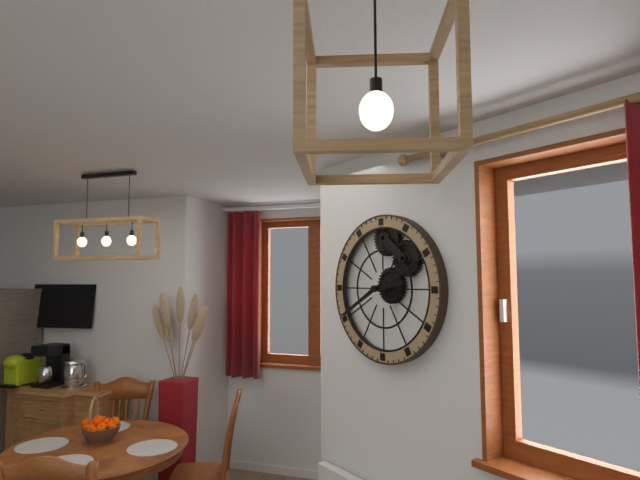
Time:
{"hour": 2, "minute": 40}
